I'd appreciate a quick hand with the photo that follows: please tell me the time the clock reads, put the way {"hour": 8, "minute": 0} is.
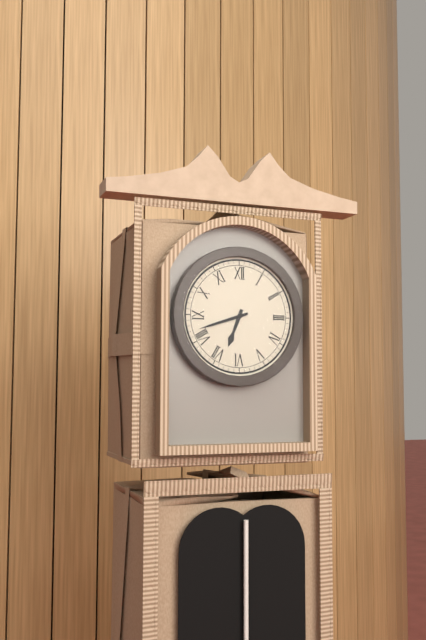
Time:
{"hour": 6, "minute": 42}
